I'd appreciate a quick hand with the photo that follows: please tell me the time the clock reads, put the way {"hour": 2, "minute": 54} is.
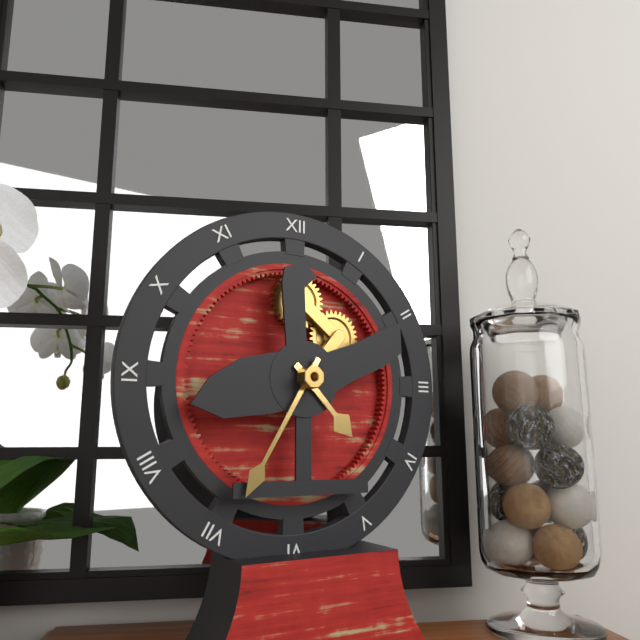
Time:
{"hour": 4, "minute": 35}
